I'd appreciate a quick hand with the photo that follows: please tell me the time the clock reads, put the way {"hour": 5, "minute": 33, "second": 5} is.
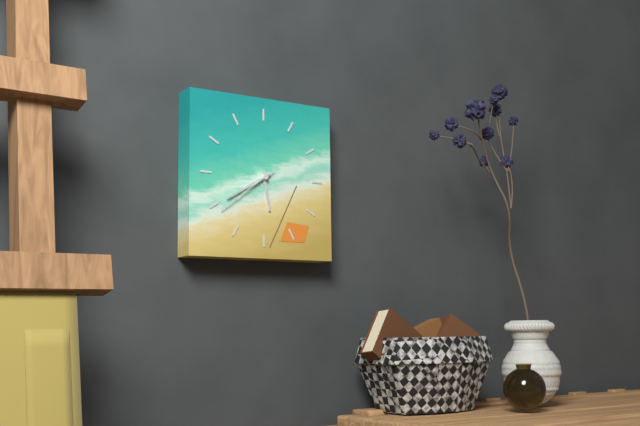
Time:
{"hour": 5, "minute": 40, "second": 39}
